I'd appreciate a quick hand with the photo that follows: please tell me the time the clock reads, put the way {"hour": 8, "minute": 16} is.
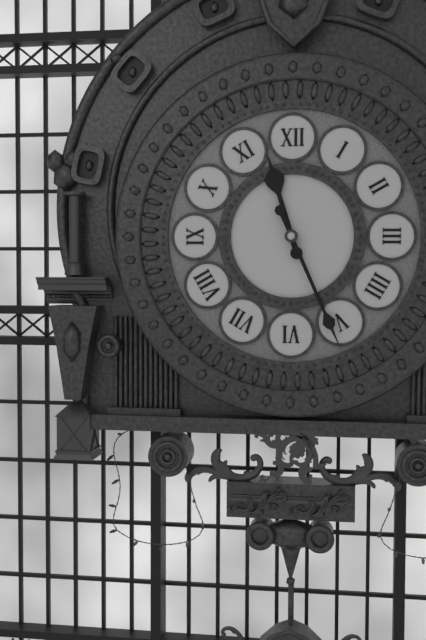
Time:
{"hour": 11, "minute": 26}
